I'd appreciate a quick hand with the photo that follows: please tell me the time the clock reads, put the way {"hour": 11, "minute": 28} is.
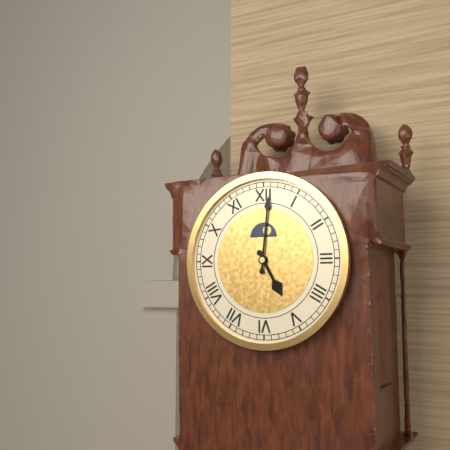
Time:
{"hour": 5, "minute": 1}
